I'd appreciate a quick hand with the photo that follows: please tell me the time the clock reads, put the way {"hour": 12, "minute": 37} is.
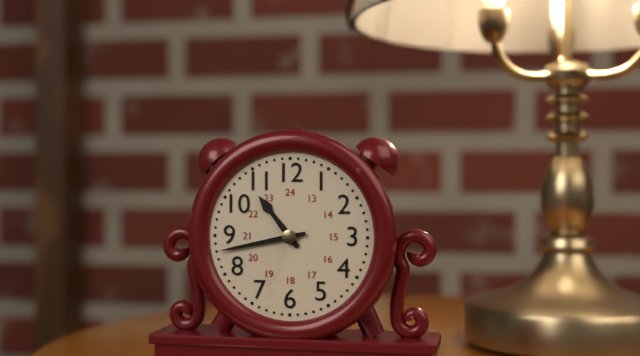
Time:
{"hour": 10, "minute": 43}
